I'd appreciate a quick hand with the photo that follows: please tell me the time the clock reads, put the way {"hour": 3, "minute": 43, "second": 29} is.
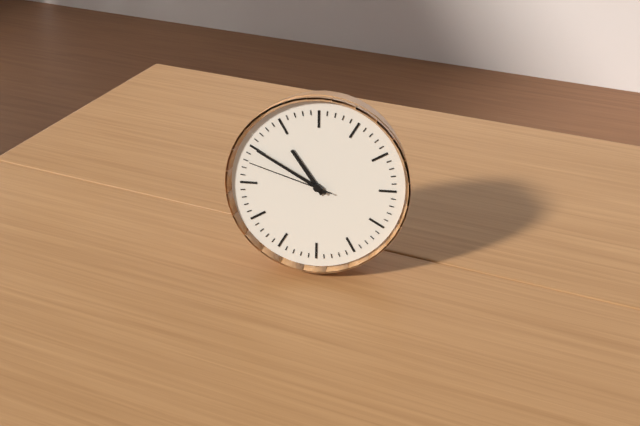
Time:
{"hour": 10, "minute": 50, "second": 48}
